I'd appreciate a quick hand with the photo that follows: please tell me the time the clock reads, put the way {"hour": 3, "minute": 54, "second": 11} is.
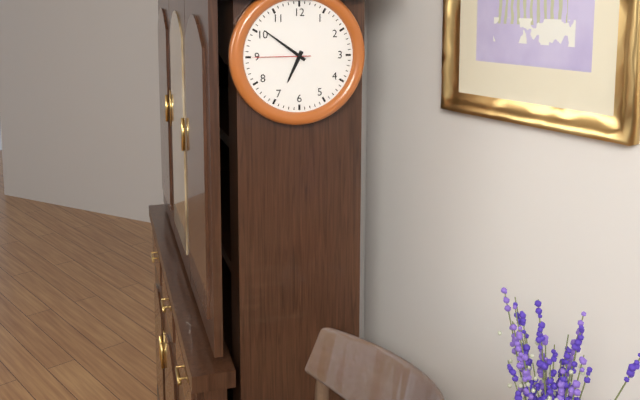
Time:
{"hour": 6, "minute": 51, "second": 45}
